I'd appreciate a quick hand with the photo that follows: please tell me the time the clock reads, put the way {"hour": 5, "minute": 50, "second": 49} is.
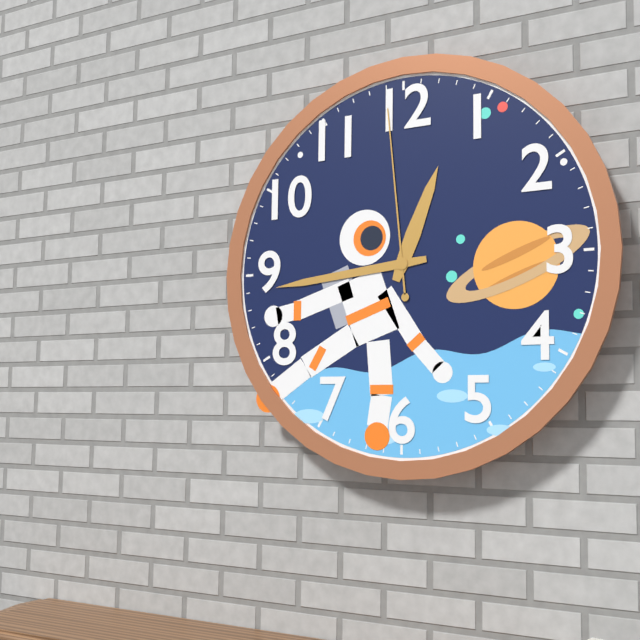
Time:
{"hour": 12, "minute": 44, "second": 59}
